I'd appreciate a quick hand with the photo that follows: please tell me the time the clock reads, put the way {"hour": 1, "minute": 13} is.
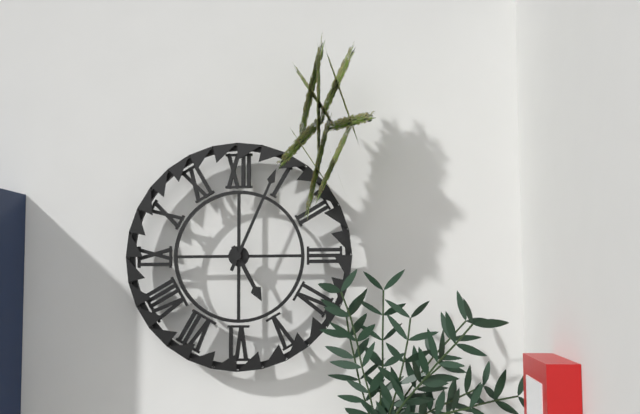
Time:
{"hour": 5, "minute": 4}
